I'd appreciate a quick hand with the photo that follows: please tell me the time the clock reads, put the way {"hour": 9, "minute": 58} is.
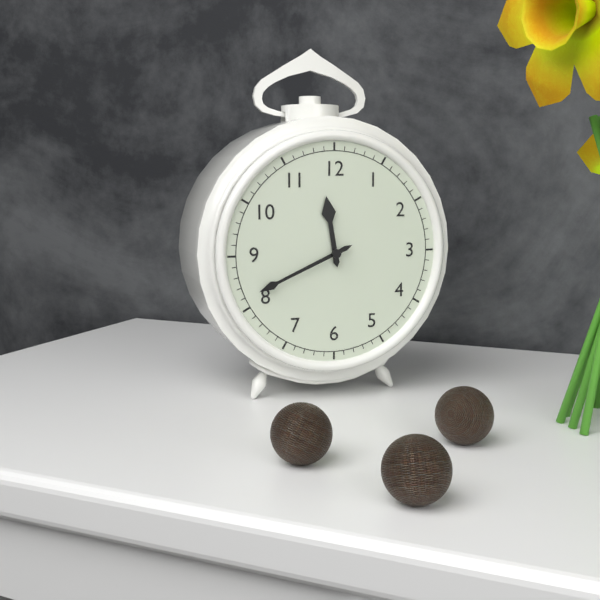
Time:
{"hour": 11, "minute": 41}
